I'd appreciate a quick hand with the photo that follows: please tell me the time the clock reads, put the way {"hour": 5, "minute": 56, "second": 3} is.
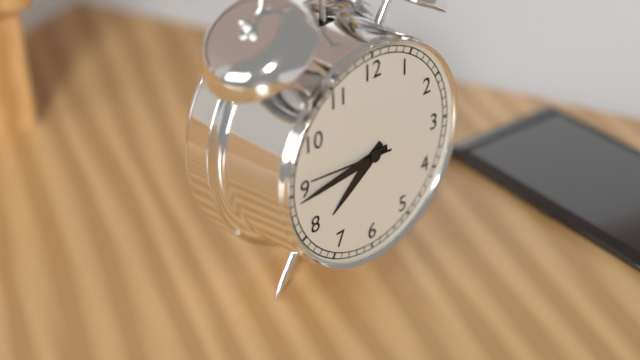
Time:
{"hour": 7, "minute": 44, "second": 46}
